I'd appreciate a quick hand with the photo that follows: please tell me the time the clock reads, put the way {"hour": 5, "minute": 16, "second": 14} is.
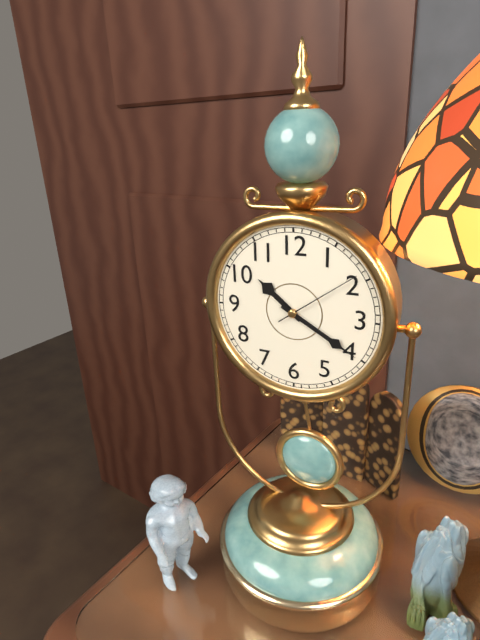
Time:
{"hour": 10, "minute": 20, "second": 9}
